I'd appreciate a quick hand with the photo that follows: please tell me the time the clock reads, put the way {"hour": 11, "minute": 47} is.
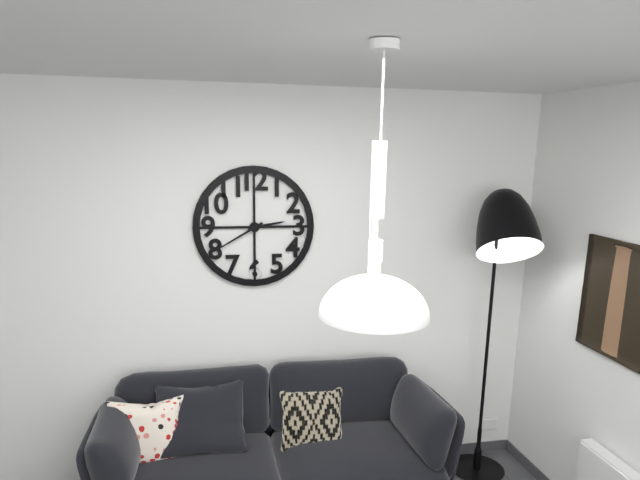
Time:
{"hour": 2, "minute": 40}
